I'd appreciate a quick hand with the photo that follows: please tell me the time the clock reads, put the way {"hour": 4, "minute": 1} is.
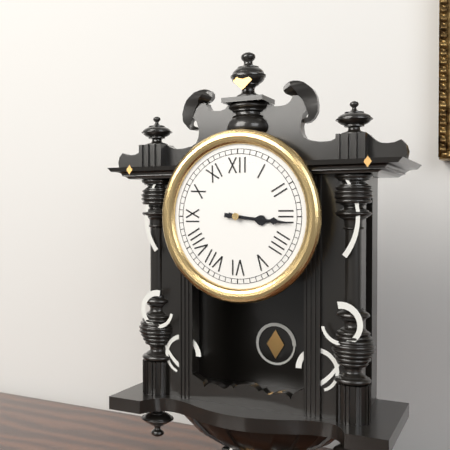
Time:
{"hour": 3, "minute": 16}
